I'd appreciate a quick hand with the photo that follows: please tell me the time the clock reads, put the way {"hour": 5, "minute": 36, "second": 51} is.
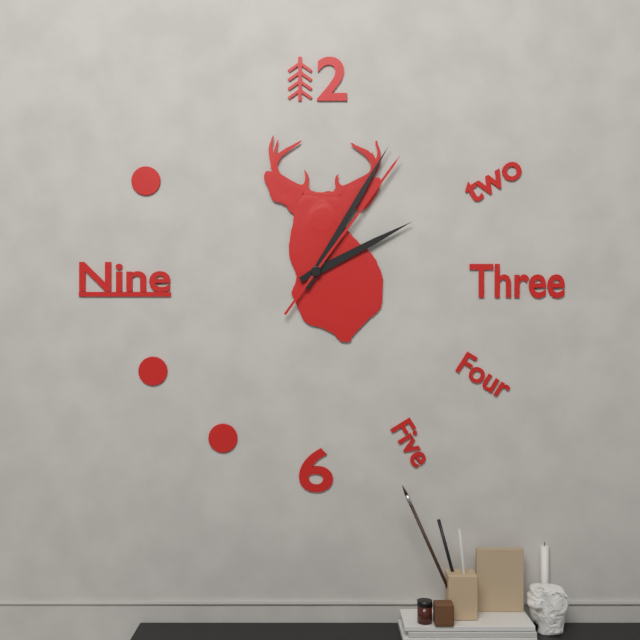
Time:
{"hour": 2, "minute": 5, "second": 6}
